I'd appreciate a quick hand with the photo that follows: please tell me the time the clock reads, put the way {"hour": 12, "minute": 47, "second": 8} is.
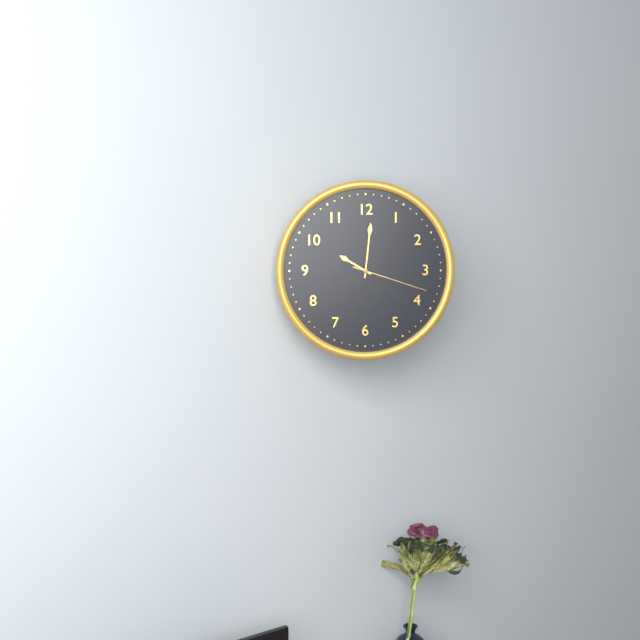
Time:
{"hour": 10, "minute": 1, "second": 18}
